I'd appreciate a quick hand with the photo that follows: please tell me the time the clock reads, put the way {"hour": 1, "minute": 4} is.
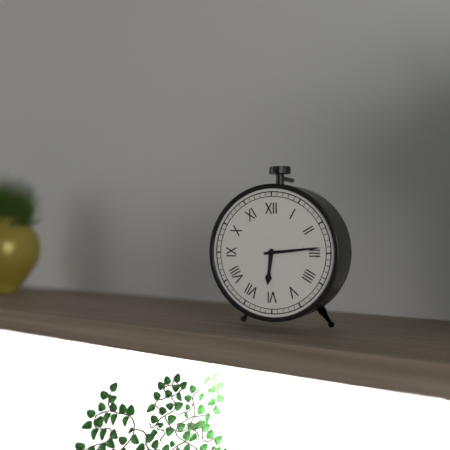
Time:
{"hour": 6, "minute": 14}
